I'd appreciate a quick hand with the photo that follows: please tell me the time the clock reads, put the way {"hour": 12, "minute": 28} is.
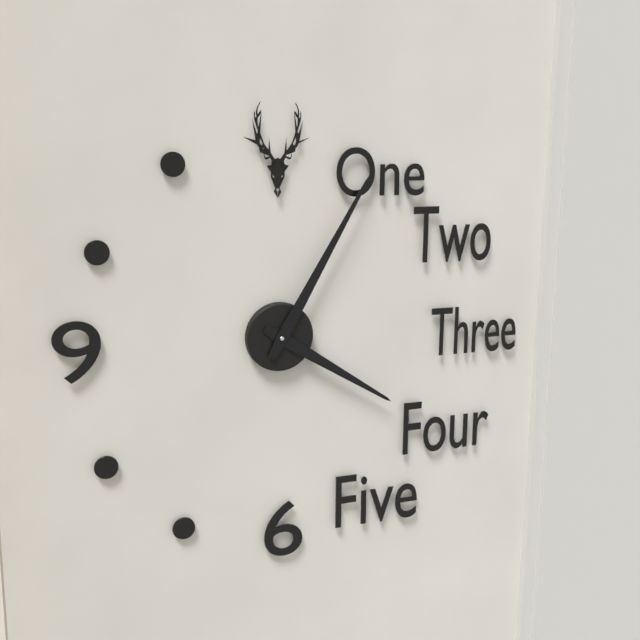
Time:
{"hour": 4, "minute": 5}
